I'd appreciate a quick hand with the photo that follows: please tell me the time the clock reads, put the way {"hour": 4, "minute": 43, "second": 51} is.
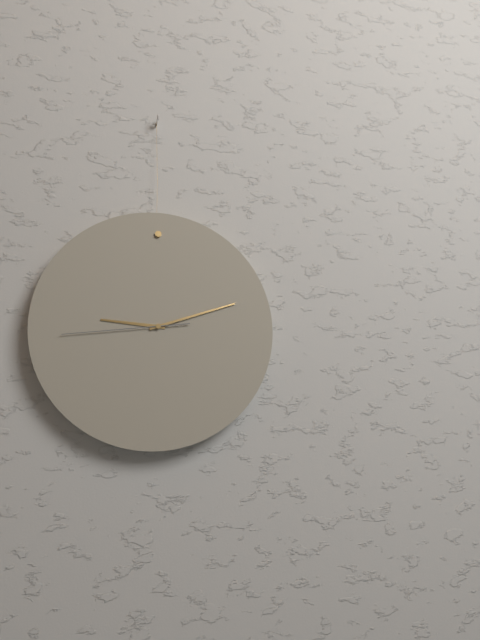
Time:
{"hour": 9, "minute": 12, "second": 44}
